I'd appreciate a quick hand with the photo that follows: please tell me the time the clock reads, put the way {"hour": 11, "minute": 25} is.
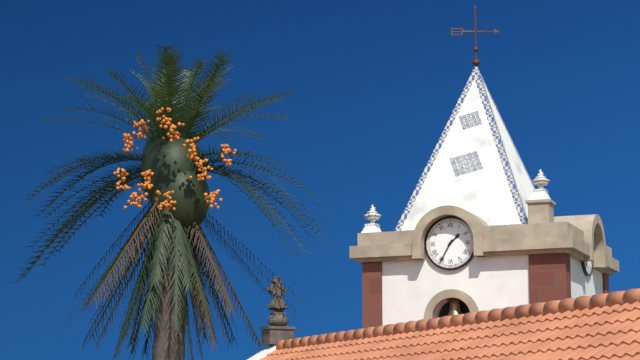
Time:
{"hour": 1, "minute": 35}
